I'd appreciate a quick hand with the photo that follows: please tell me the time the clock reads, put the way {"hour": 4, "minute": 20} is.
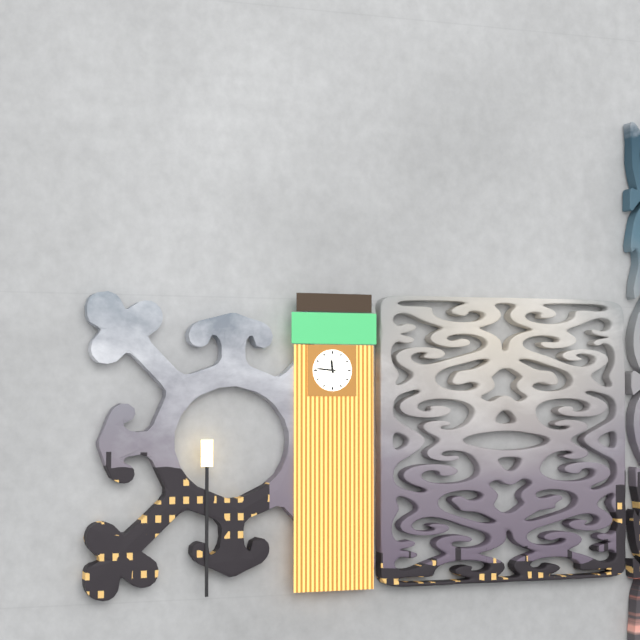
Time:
{"hour": 11, "minute": 46}
